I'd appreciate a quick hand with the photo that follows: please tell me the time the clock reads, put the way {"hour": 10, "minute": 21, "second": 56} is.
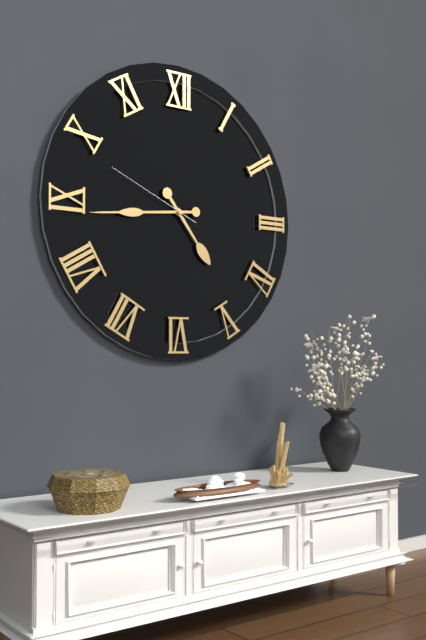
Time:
{"hour": 4, "minute": 44, "second": 49}
